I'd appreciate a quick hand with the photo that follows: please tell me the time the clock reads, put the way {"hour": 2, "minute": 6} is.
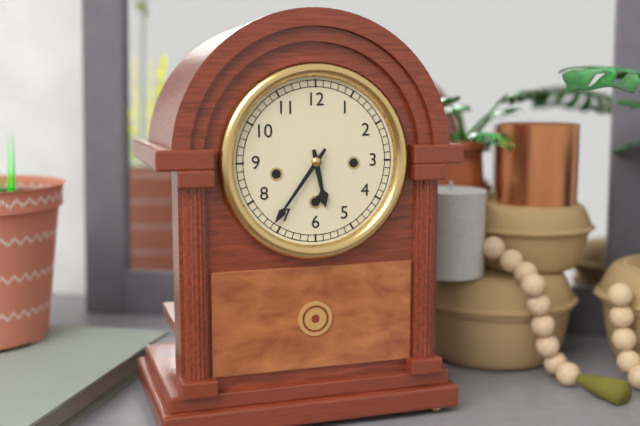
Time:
{"hour": 5, "minute": 36}
